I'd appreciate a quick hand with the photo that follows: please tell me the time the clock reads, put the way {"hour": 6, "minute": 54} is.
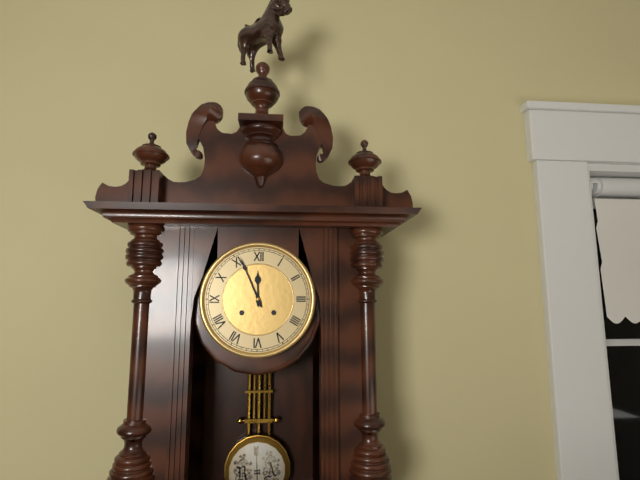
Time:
{"hour": 11, "minute": 56}
